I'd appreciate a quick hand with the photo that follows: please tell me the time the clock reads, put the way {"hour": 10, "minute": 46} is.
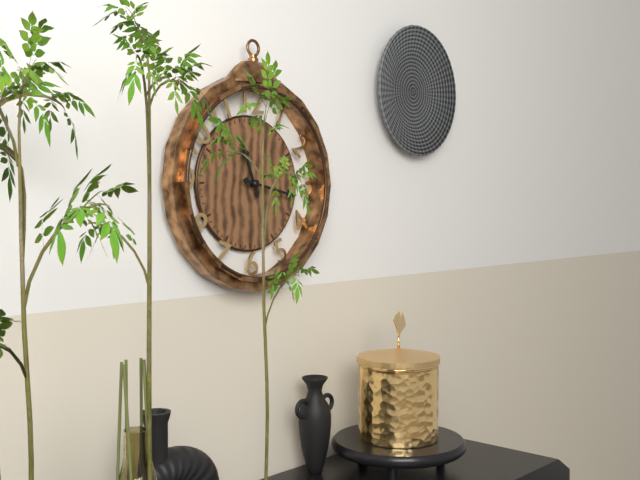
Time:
{"hour": 11, "minute": 17}
